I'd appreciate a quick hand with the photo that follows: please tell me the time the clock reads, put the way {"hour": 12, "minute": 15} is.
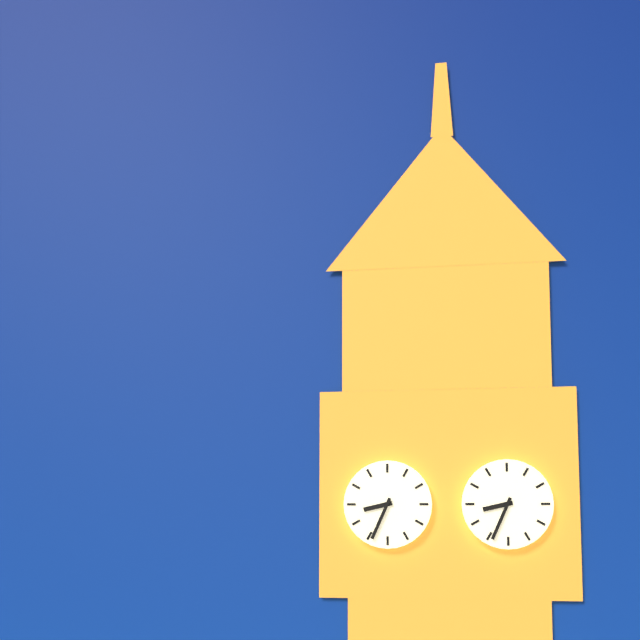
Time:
{"hour": 8, "minute": 34}
